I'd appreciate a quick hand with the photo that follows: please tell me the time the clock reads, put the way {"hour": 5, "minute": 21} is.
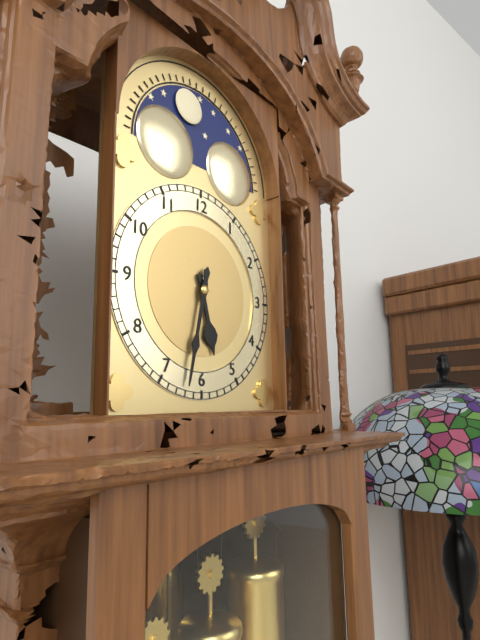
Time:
{"hour": 5, "minute": 32}
